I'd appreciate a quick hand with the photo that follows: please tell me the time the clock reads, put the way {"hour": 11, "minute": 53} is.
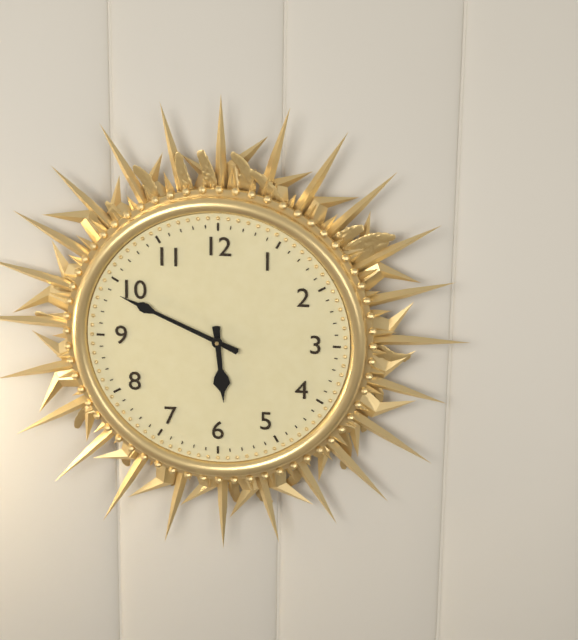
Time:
{"hour": 5, "minute": 49}
